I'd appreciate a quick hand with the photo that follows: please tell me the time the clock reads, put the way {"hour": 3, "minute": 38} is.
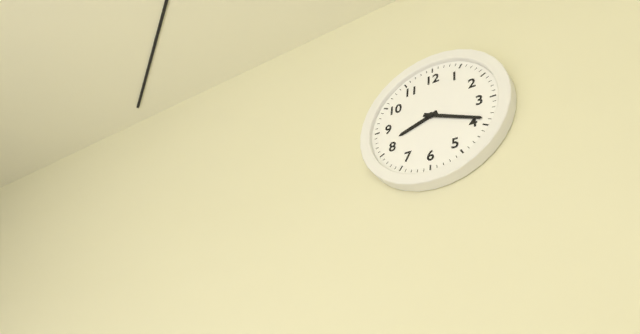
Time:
{"hour": 8, "minute": 19}
